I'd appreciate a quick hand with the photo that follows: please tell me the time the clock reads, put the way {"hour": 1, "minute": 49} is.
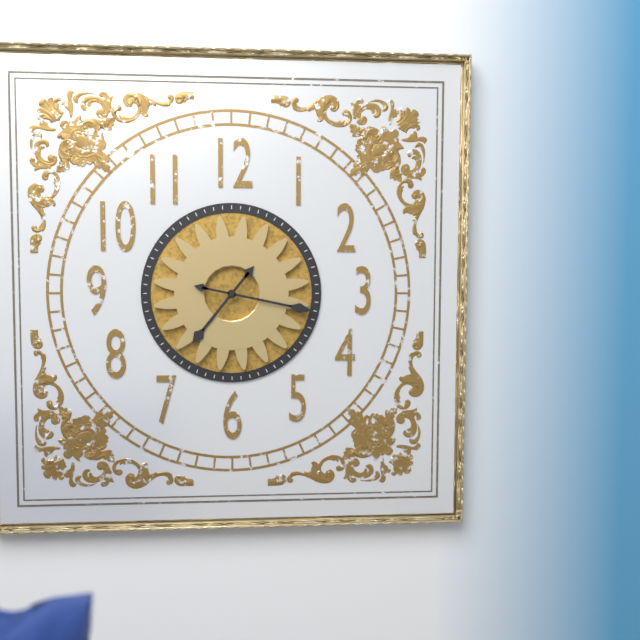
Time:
{"hour": 7, "minute": 17}
